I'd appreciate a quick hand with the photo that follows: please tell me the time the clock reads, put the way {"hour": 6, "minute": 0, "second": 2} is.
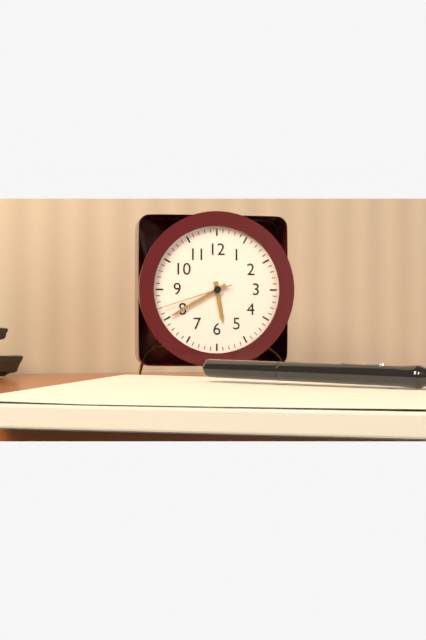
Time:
{"hour": 5, "minute": 40, "second": 42}
